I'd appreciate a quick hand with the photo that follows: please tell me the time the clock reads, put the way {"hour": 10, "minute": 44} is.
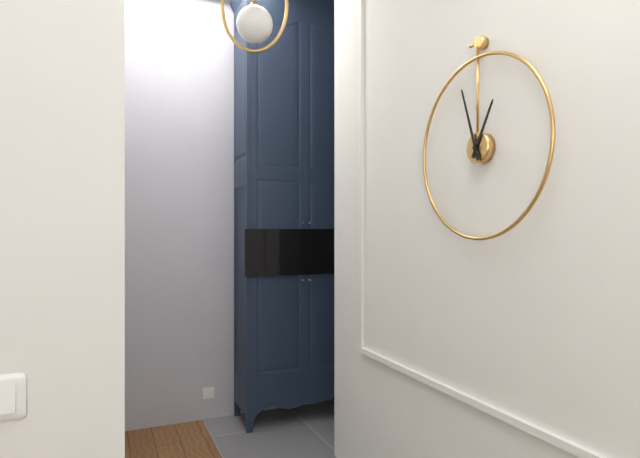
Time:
{"hour": 12, "minute": 57}
